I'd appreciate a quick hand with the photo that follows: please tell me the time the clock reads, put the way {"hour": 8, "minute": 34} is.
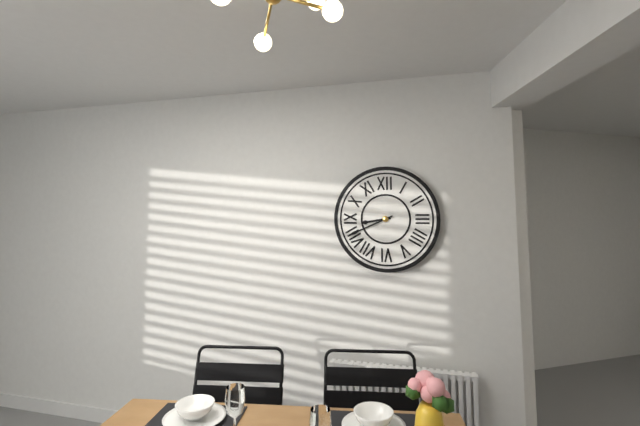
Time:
{"hour": 8, "minute": 41}
